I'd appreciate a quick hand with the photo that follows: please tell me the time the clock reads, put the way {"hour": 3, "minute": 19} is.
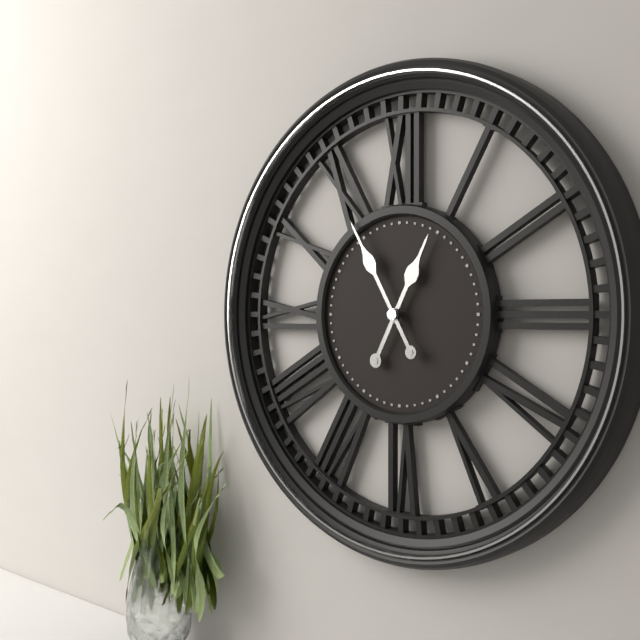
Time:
{"hour": 12, "minute": 55}
